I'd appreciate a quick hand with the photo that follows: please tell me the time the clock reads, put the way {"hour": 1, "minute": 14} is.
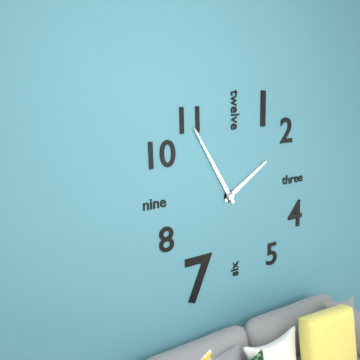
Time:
{"hour": 1, "minute": 55}
